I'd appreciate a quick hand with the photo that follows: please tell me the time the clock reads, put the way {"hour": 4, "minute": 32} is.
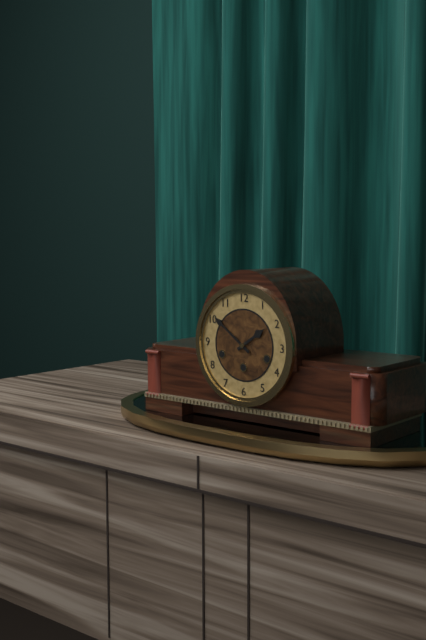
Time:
{"hour": 1, "minute": 51}
